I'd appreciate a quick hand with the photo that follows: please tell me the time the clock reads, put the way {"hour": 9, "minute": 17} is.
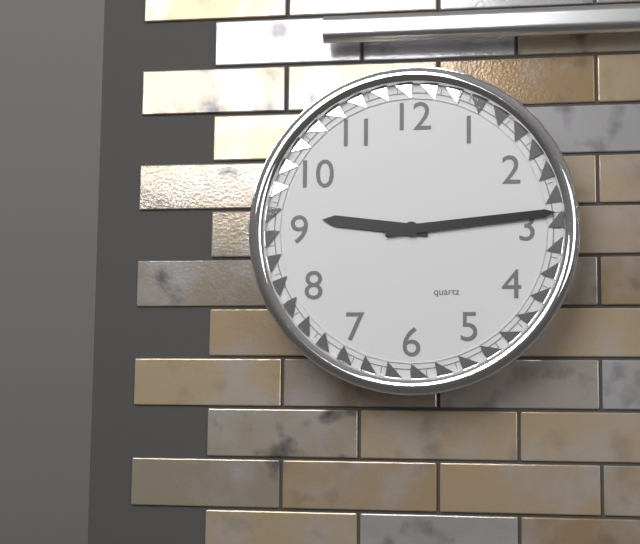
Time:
{"hour": 9, "minute": 14}
